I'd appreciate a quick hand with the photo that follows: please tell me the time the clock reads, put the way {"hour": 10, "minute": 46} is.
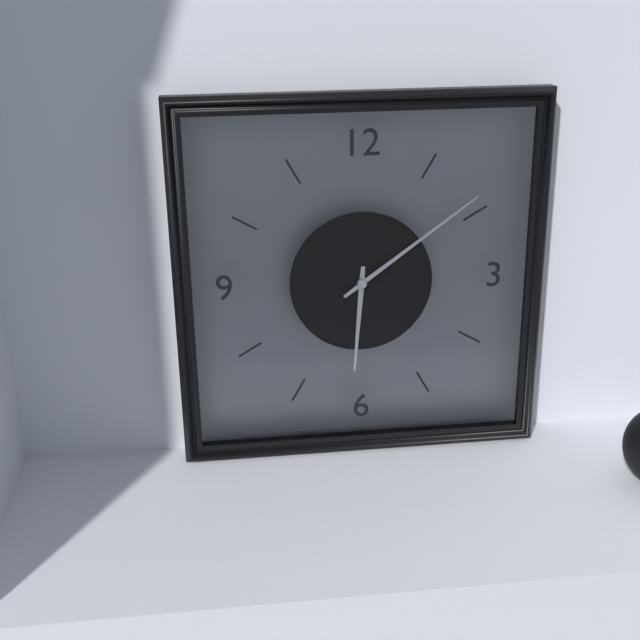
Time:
{"hour": 6, "minute": 9}
